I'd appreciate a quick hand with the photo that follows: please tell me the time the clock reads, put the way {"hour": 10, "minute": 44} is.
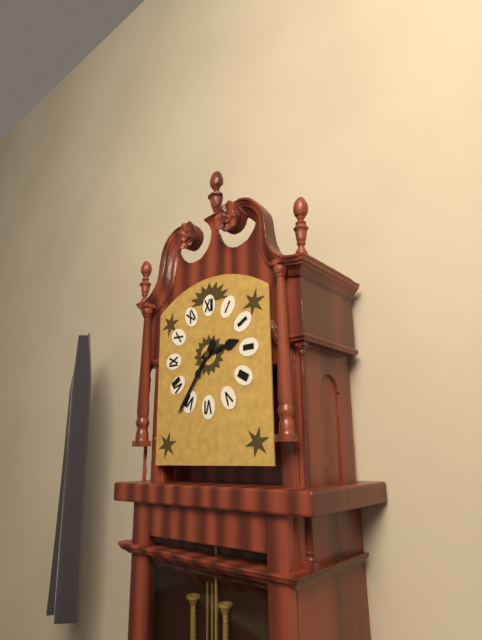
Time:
{"hour": 2, "minute": 36}
